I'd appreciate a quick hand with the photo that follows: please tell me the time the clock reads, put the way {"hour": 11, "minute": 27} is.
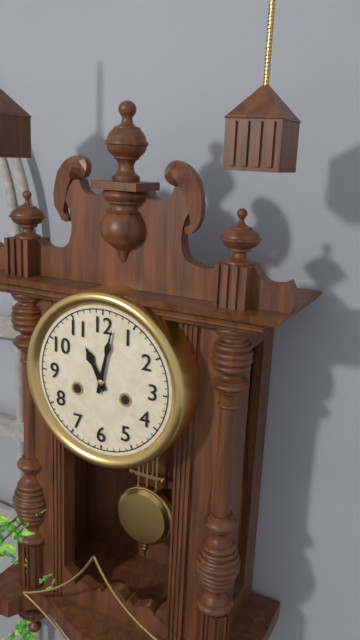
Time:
{"hour": 11, "minute": 2}
